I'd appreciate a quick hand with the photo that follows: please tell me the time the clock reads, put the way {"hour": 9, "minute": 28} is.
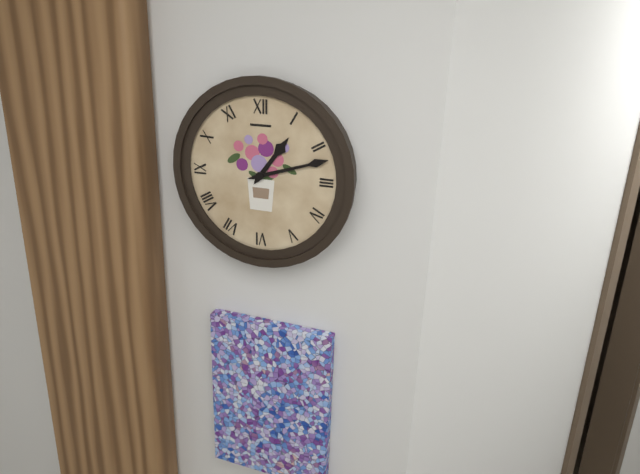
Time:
{"hour": 1, "minute": 12}
